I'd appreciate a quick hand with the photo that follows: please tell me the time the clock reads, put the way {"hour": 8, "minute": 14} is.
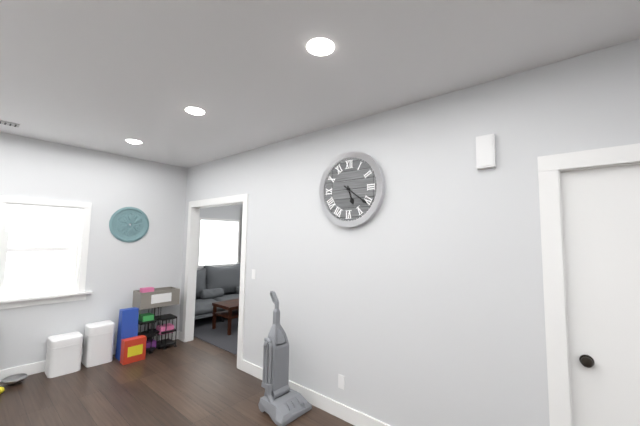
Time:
{"hour": 5, "minute": 21}
